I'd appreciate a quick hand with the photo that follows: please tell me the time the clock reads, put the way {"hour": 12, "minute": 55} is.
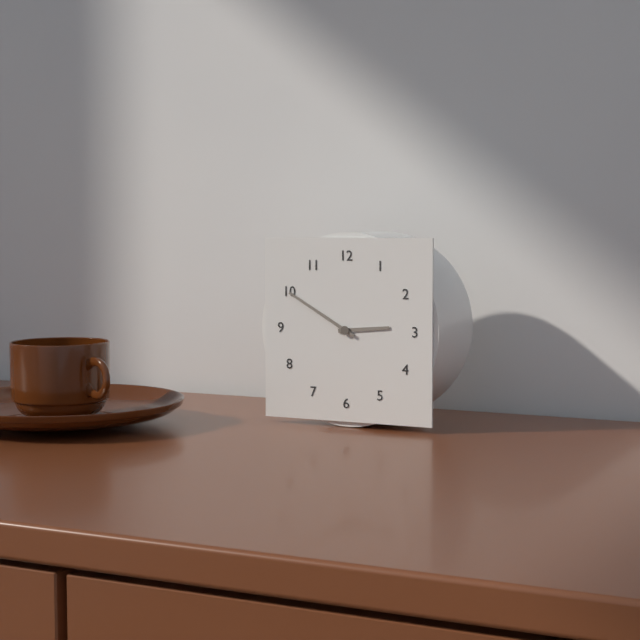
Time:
{"hour": 2, "minute": 50}
